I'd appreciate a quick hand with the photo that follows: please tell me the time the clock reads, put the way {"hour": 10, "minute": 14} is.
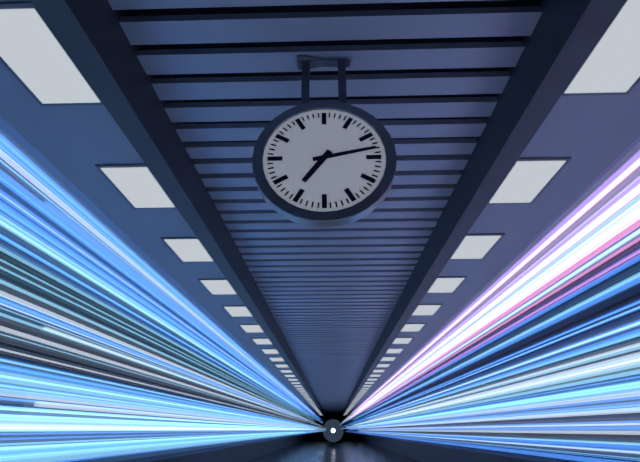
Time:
{"hour": 7, "minute": 13}
